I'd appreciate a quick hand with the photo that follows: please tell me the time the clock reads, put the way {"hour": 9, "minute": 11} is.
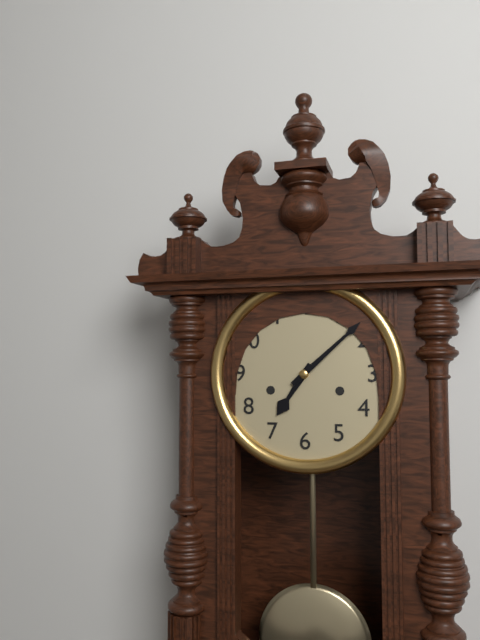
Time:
{"hour": 7, "minute": 8}
